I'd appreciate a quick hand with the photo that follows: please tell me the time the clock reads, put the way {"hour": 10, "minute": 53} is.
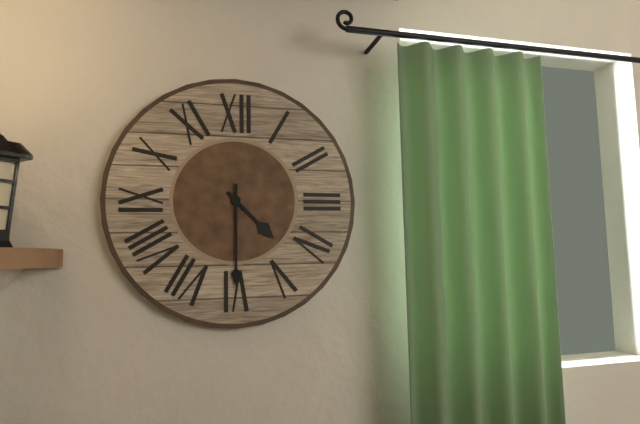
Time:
{"hour": 4, "minute": 30}
